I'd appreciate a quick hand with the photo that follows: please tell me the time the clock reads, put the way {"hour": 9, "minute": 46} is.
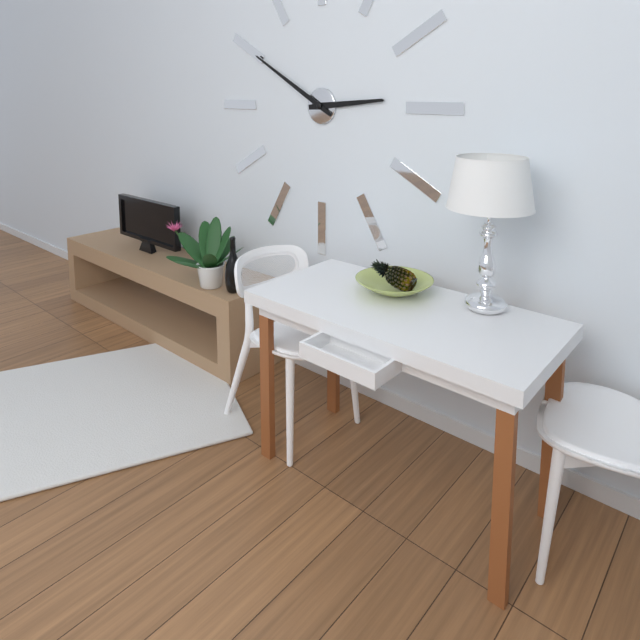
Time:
{"hour": 2, "minute": 50}
